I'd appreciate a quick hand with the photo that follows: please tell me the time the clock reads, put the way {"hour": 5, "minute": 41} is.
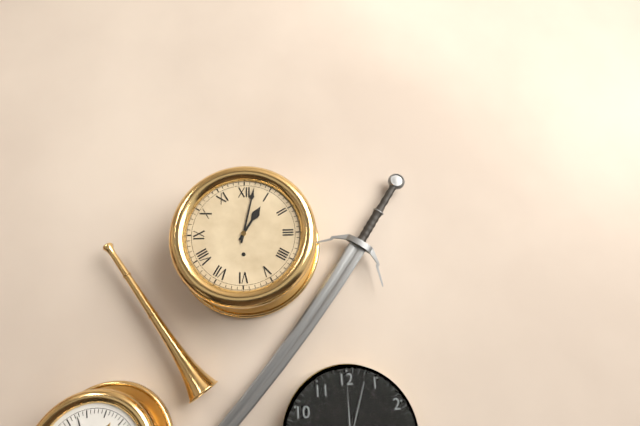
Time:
{"hour": 1, "minute": 2}
